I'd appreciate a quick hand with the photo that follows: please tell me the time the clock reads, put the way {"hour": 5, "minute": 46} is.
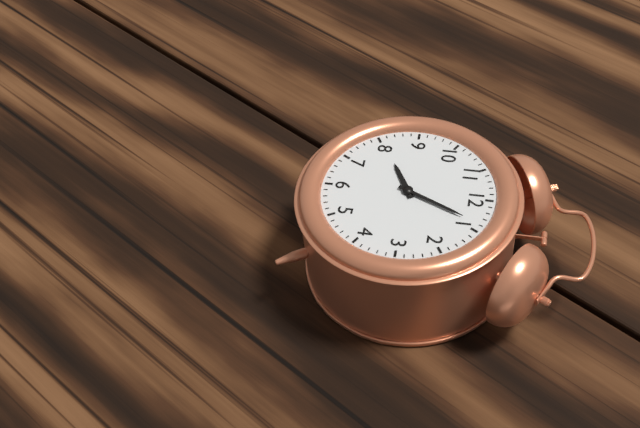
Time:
{"hour": 8, "minute": 4}
